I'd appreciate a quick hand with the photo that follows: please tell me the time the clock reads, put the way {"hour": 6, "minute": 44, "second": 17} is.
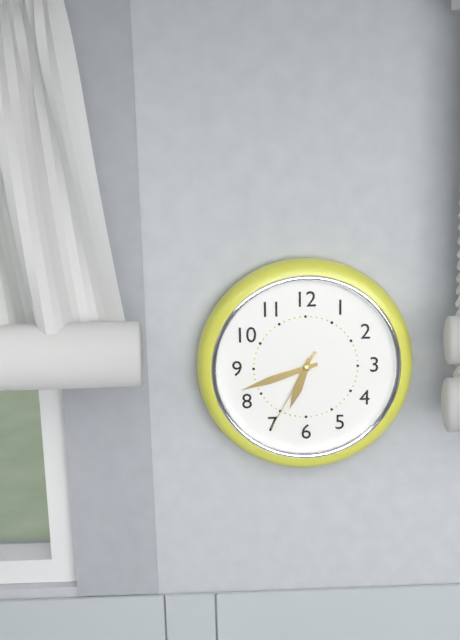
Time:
{"hour": 6, "minute": 42, "second": 35}
